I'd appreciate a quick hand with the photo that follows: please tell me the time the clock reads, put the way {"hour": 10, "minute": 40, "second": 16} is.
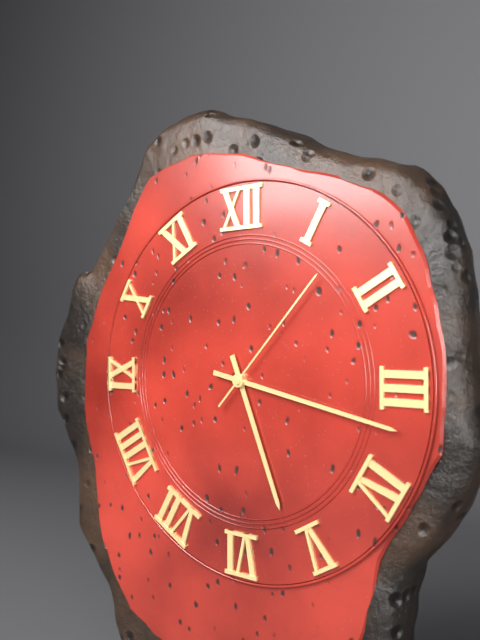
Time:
{"hour": 5, "minute": 17, "second": 7}
